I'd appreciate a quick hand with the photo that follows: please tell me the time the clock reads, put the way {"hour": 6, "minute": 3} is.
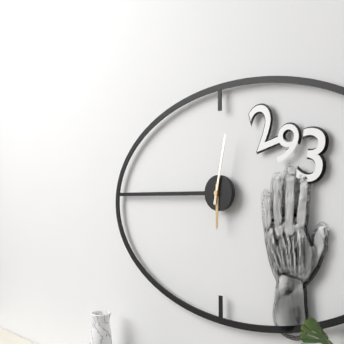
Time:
{"hour": 6, "minute": 2}
